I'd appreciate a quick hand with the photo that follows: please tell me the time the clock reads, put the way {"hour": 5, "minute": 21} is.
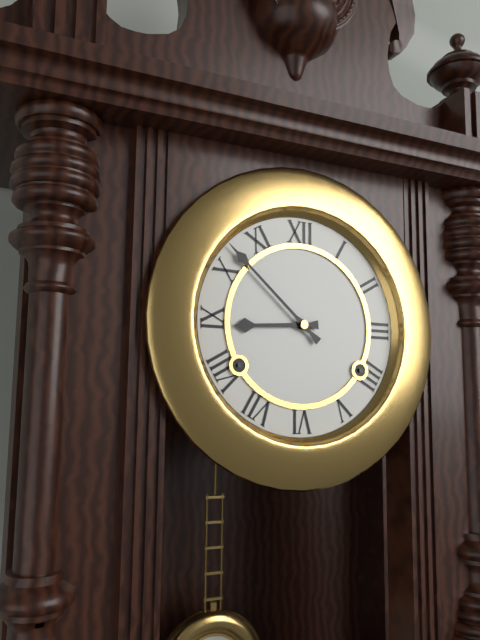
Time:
{"hour": 8, "minute": 52}
